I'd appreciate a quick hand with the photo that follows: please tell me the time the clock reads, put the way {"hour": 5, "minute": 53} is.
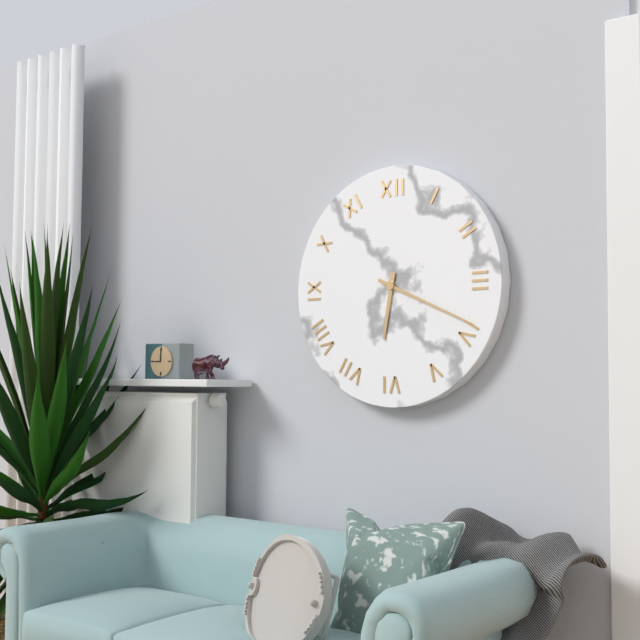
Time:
{"hour": 6, "minute": 19}
